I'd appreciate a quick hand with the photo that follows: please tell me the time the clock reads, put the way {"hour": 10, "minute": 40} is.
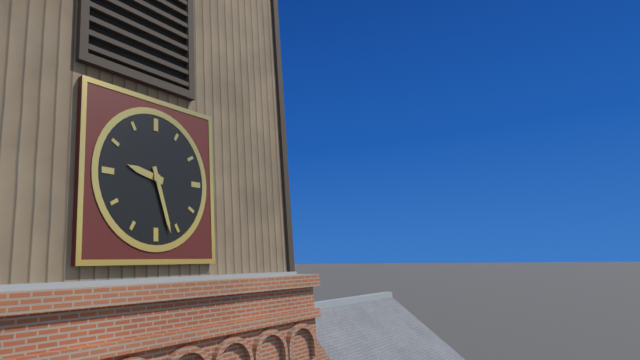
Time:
{"hour": 9, "minute": 27}
